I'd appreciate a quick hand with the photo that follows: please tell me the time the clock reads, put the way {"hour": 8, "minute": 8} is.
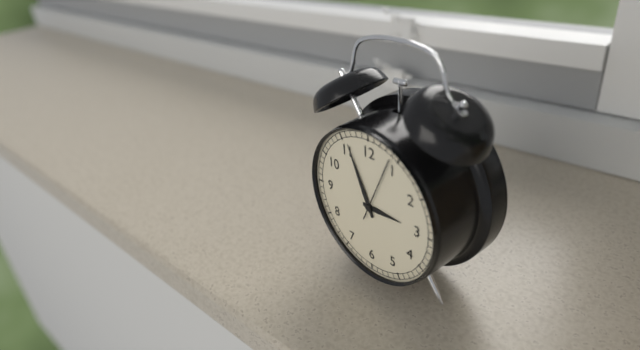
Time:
{"hour": 2, "minute": 56}
